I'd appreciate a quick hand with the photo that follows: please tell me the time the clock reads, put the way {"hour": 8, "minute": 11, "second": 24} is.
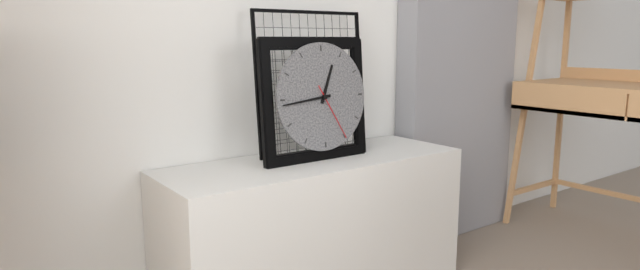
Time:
{"hour": 12, "minute": 44, "second": 25}
